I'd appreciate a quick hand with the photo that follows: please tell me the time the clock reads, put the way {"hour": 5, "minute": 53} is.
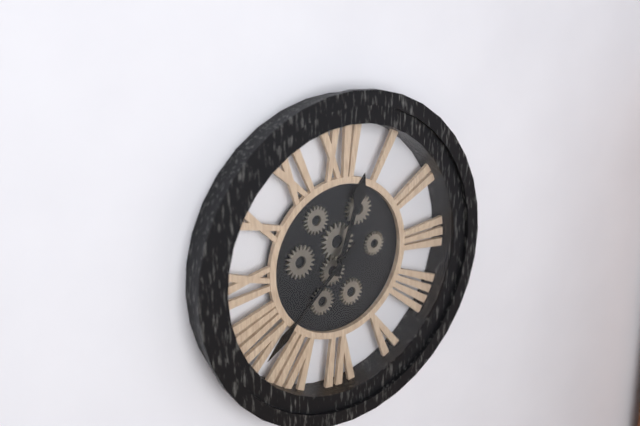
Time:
{"hour": 12, "minute": 38}
